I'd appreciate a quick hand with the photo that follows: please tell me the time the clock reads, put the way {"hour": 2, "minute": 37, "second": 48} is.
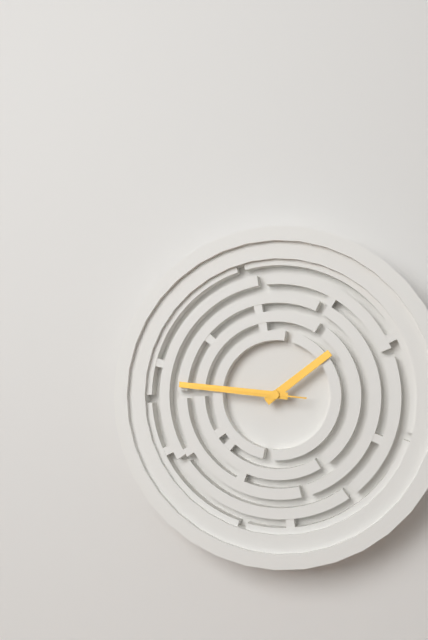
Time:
{"hour": 1, "minute": 46, "second": 46}
